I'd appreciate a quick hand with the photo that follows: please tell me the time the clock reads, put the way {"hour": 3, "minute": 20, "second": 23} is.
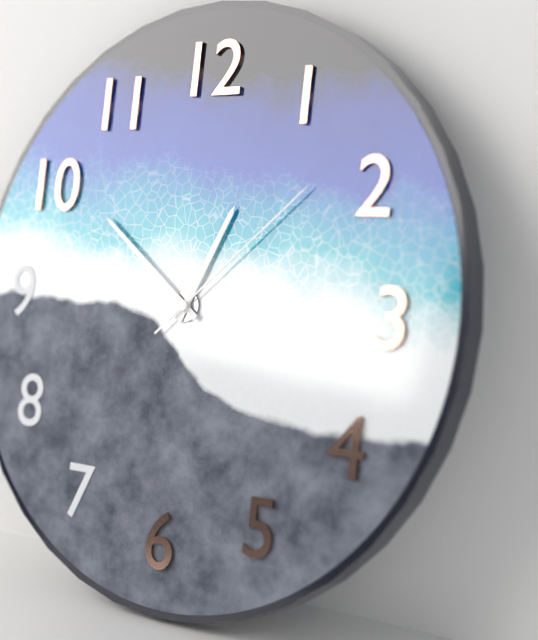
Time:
{"hour": 12, "minute": 51, "second": 8}
